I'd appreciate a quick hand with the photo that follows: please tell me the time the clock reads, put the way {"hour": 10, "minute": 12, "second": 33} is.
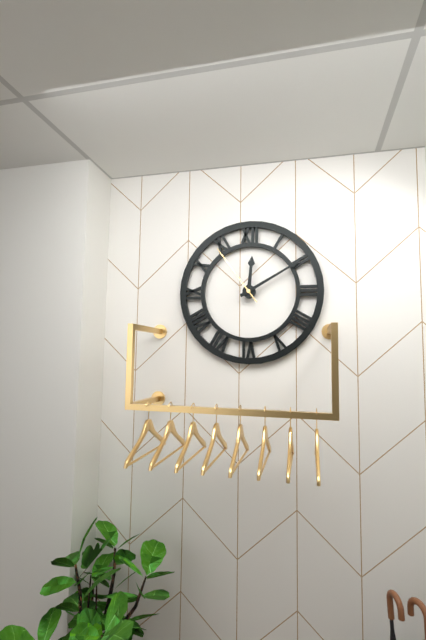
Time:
{"hour": 12, "minute": 10, "second": 54}
